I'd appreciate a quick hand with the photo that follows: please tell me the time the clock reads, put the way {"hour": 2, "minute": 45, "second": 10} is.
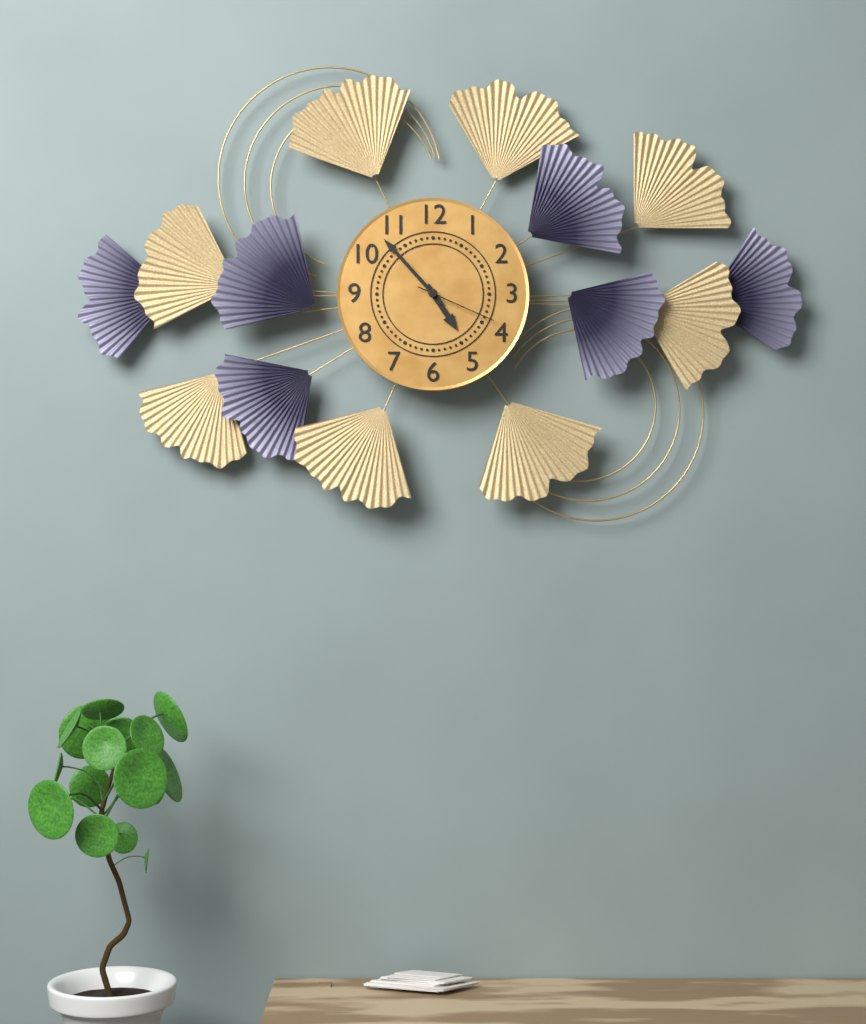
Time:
{"hour": 4, "minute": 53, "second": 19}
